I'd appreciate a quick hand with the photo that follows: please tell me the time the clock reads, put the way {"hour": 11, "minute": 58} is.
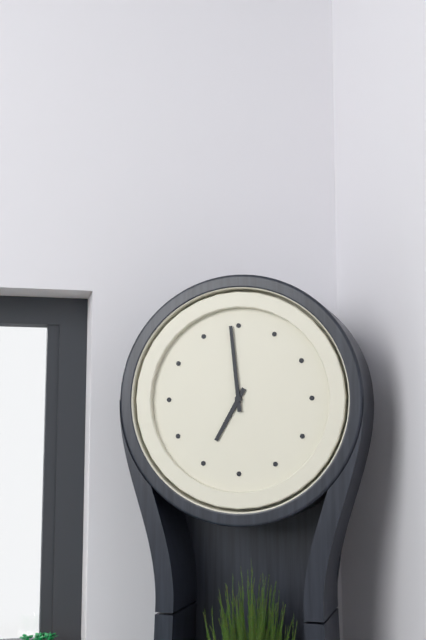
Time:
{"hour": 6, "minute": 59}
